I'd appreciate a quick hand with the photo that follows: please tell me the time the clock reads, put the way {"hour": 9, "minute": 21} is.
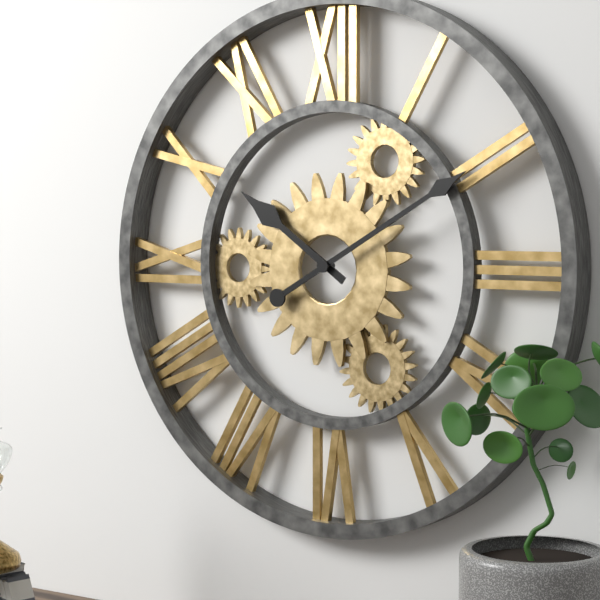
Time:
{"hour": 10, "minute": 10}
